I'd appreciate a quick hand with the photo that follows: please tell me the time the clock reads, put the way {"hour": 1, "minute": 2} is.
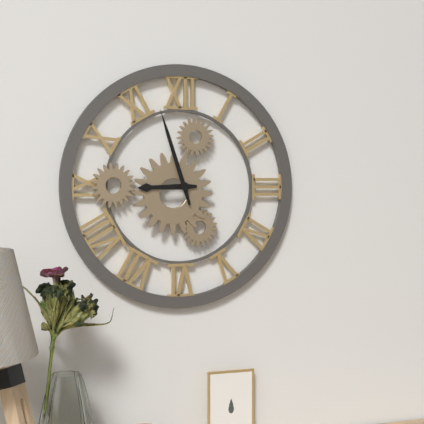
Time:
{"hour": 8, "minute": 57}
